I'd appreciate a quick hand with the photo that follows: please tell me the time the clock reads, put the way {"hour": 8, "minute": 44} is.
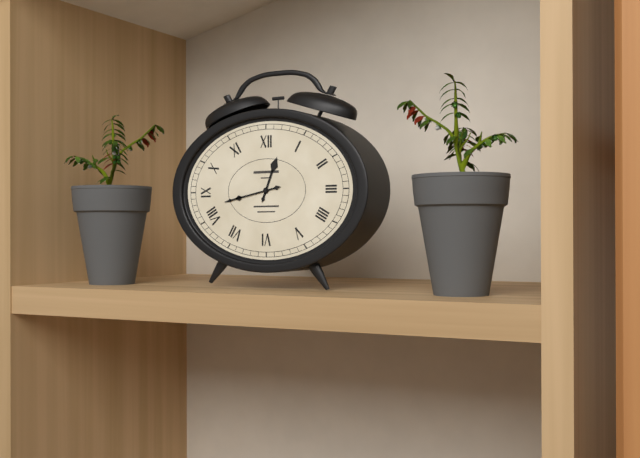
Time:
{"hour": 12, "minute": 43}
